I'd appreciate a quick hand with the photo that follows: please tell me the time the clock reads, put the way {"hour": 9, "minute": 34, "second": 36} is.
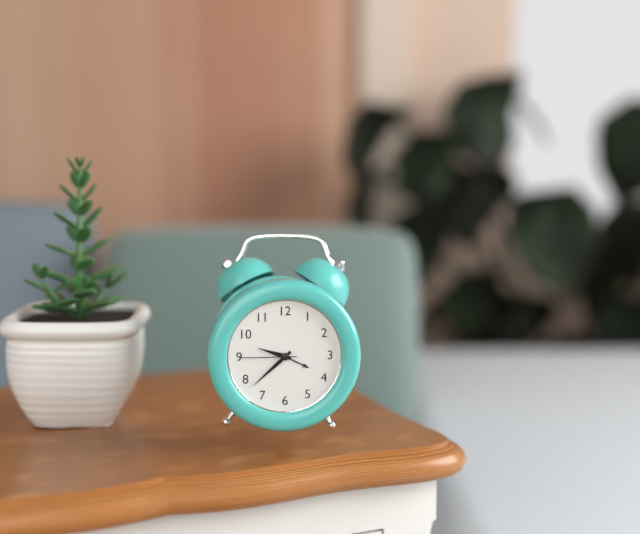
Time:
{"hour": 9, "minute": 38, "second": 45}
